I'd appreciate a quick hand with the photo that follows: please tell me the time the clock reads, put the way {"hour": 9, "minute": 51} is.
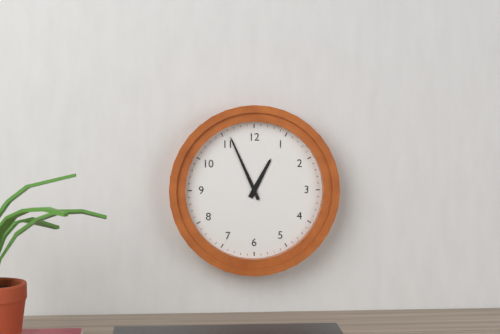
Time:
{"hour": 12, "minute": 56}
